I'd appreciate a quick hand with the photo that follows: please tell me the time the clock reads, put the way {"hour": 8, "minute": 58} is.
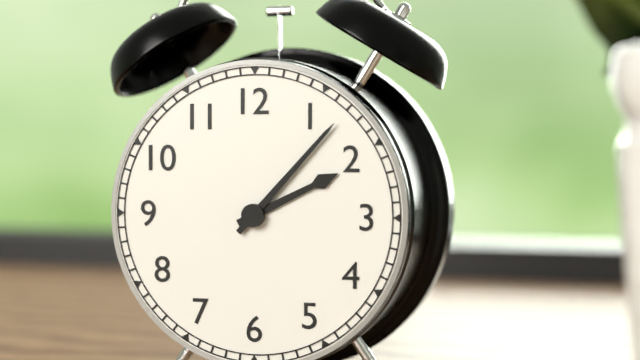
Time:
{"hour": 2, "minute": 7}
